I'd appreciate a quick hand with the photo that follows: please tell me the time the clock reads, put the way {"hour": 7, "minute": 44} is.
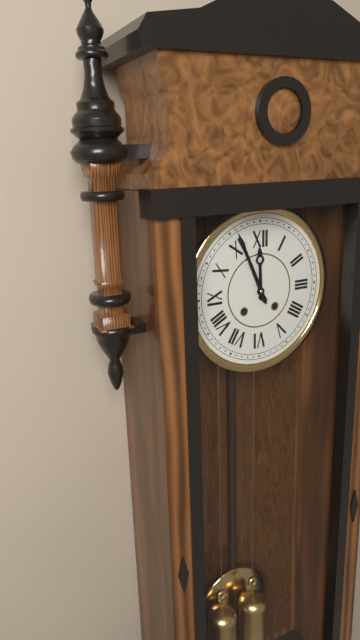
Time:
{"hour": 11, "minute": 56}
